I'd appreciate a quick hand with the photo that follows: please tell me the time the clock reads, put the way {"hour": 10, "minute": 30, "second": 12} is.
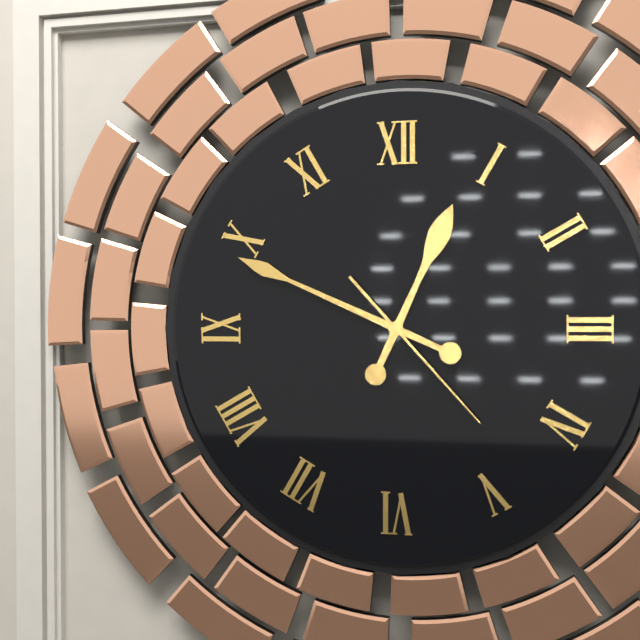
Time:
{"hour": 12, "minute": 49, "second": 23}
